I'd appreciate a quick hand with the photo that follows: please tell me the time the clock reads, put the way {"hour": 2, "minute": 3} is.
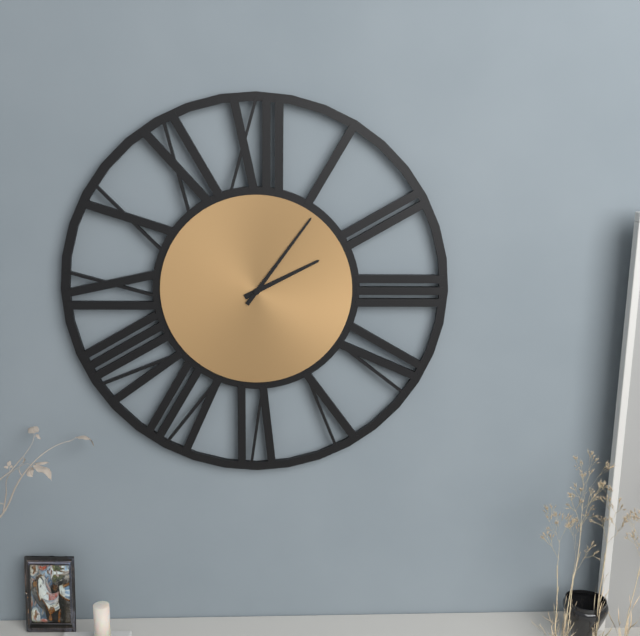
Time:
{"hour": 2, "minute": 6}
